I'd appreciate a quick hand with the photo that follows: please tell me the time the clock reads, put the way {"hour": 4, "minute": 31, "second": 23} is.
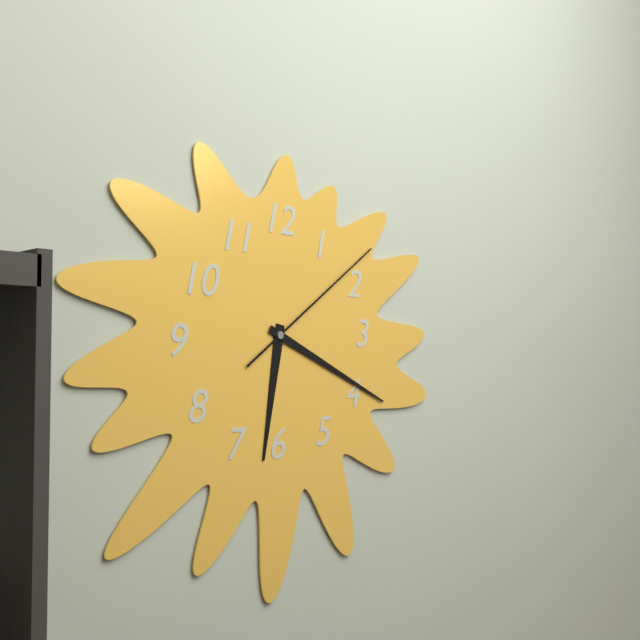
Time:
{"hour": 6, "minute": 19, "second": 9}
